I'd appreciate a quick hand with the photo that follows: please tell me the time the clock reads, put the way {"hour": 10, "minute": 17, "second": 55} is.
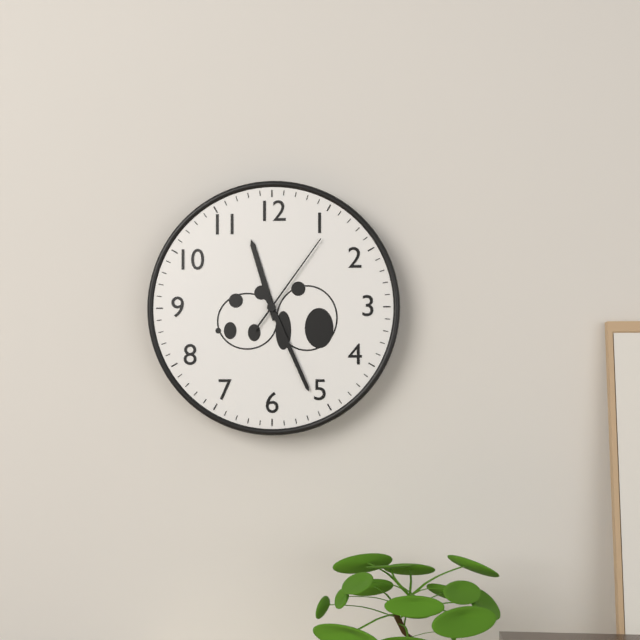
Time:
{"hour": 11, "minute": 26, "second": 6}
